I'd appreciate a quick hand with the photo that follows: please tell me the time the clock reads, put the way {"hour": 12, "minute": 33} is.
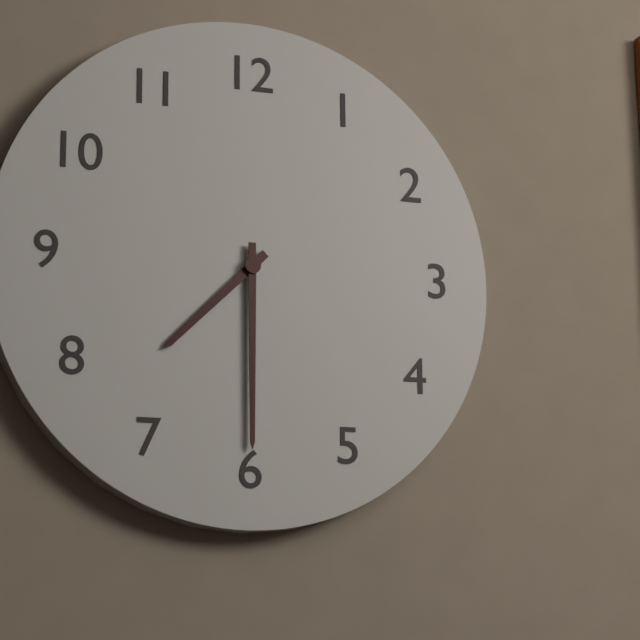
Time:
{"hour": 7, "minute": 30}
